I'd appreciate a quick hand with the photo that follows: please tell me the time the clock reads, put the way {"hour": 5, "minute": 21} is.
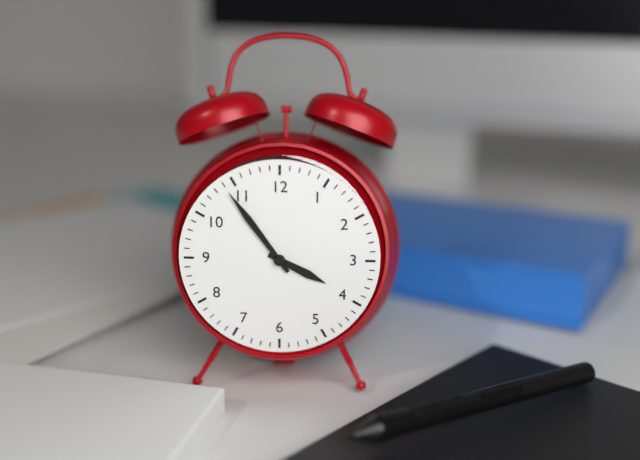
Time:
{"hour": 3, "minute": 54}
